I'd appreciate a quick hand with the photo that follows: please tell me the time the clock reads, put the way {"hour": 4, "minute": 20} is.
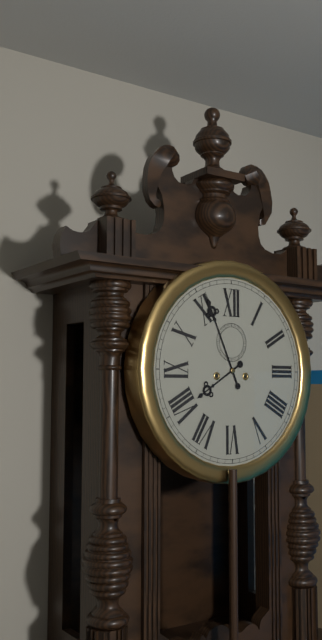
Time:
{"hour": 7, "minute": 56}
